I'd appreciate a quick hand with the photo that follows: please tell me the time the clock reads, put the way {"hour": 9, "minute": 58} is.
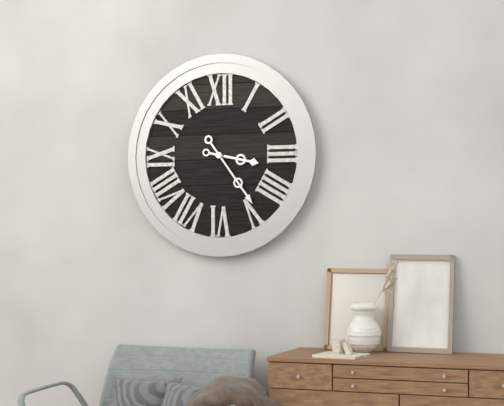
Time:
{"hour": 3, "minute": 24}
